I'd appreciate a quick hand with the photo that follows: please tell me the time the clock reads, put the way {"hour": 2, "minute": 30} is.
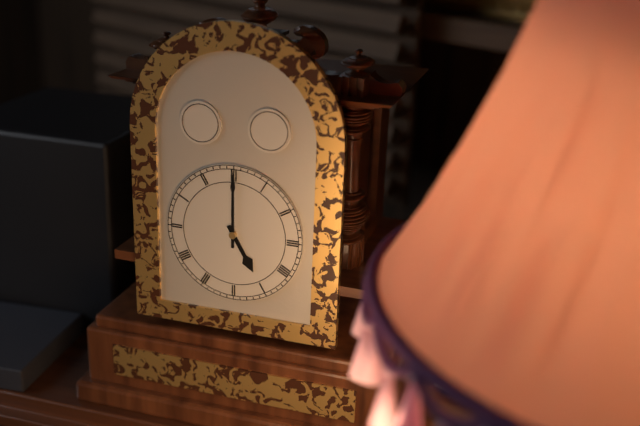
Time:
{"hour": 5, "minute": 0}
